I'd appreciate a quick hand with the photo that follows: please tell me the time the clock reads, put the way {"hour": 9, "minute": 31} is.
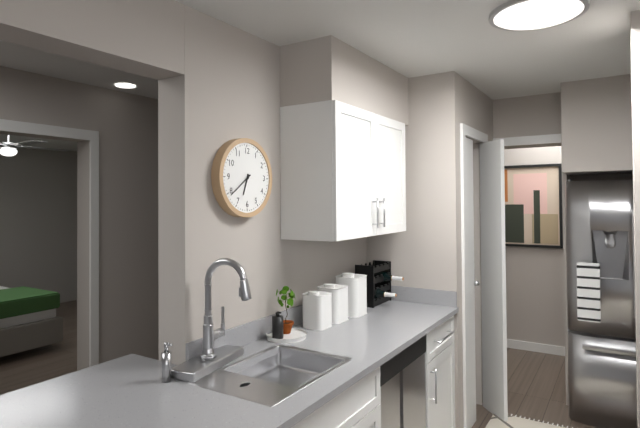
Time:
{"hour": 6, "minute": 39}
